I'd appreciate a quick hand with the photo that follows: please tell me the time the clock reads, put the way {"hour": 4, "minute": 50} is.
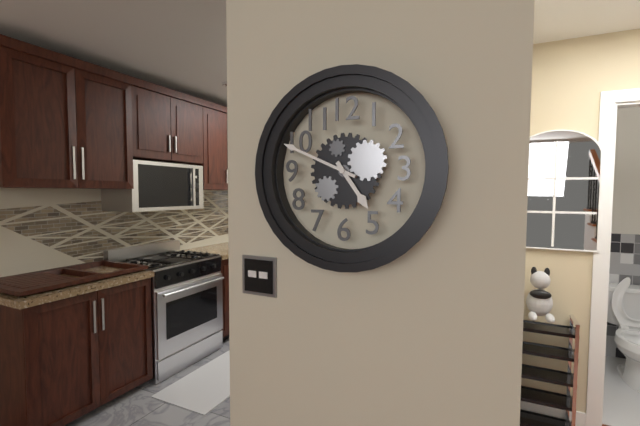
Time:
{"hour": 4, "minute": 49}
